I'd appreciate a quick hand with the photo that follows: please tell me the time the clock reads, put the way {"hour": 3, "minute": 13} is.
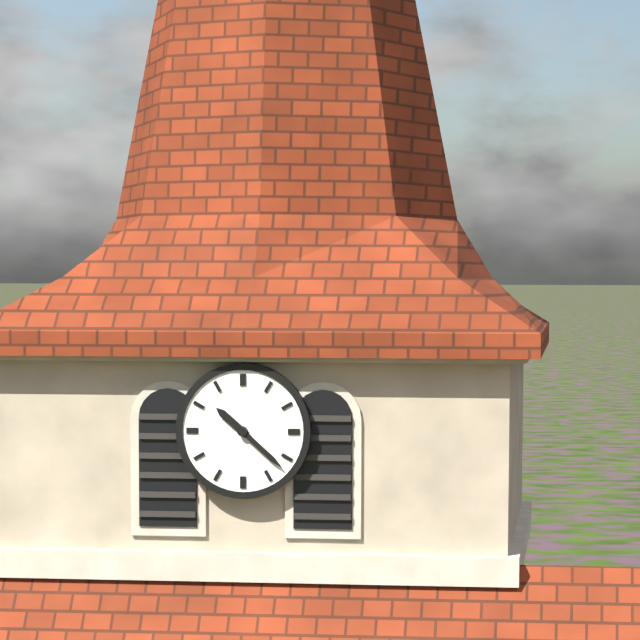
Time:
{"hour": 10, "minute": 22}
